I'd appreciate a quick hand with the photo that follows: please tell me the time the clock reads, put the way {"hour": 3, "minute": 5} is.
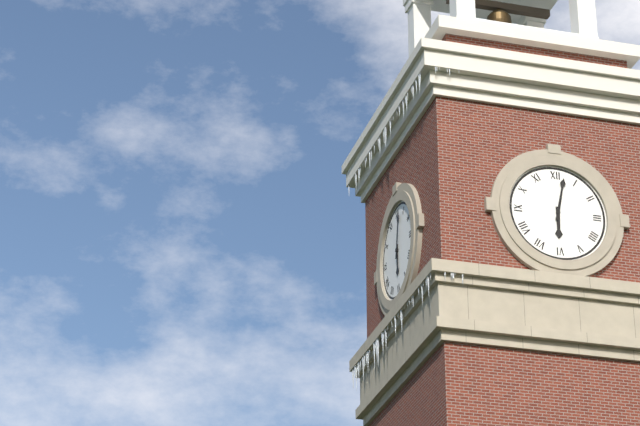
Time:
{"hour": 6, "minute": 2}
